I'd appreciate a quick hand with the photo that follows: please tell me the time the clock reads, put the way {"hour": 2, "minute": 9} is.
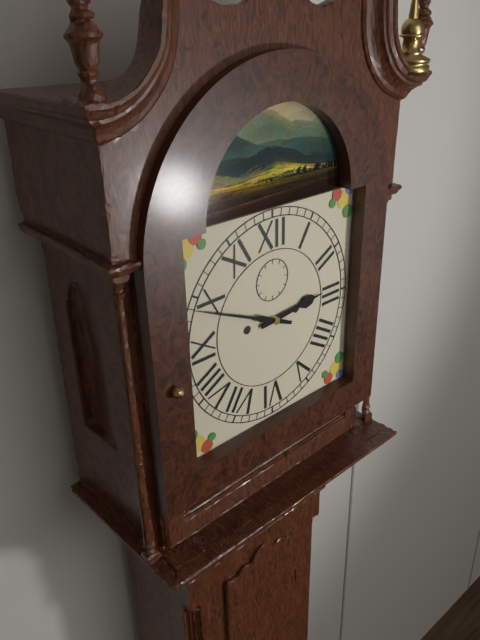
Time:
{"hour": 2, "minute": 49}
